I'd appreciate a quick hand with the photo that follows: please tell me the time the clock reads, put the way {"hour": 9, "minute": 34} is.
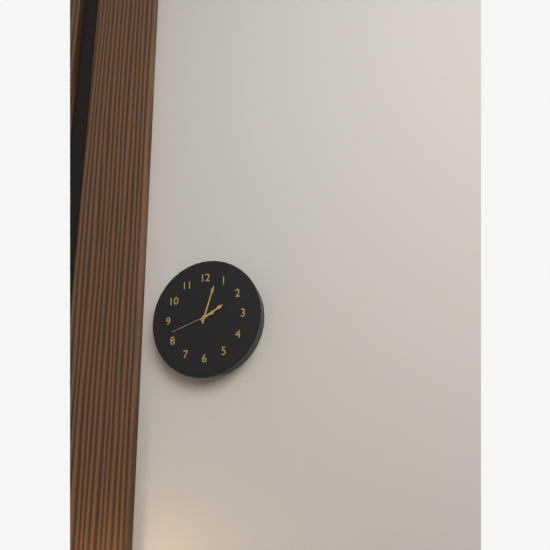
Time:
{"hour": 2, "minute": 3}
